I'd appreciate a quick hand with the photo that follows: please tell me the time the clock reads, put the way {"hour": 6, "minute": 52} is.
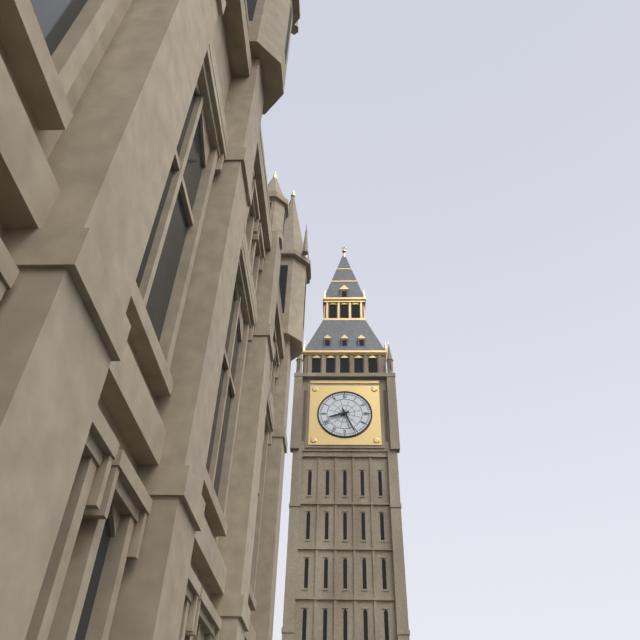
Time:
{"hour": 8, "minute": 26}
